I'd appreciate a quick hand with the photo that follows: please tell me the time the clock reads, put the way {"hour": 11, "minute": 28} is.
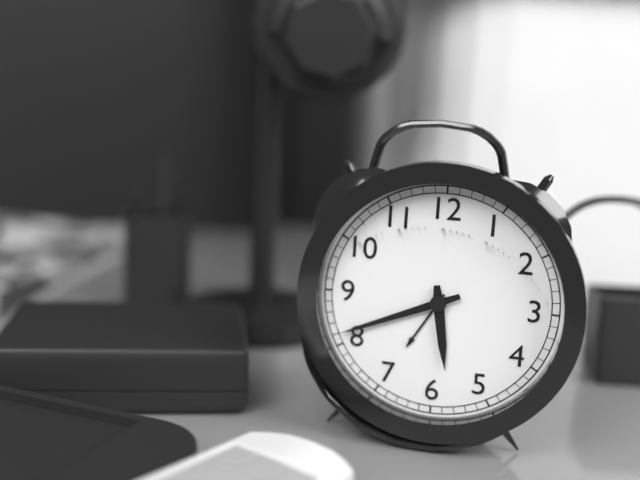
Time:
{"hour": 5, "minute": 41}
